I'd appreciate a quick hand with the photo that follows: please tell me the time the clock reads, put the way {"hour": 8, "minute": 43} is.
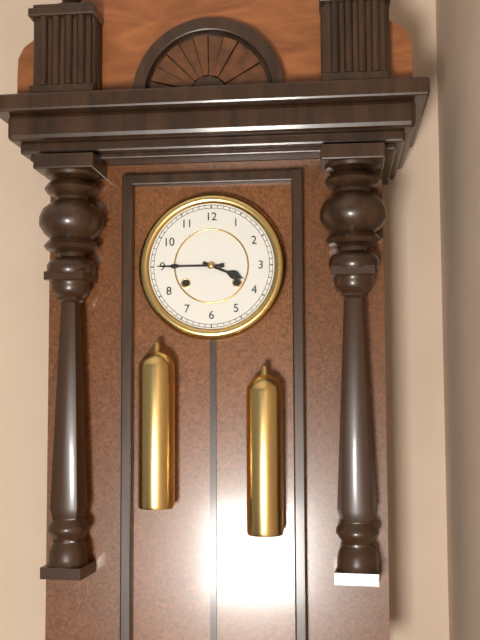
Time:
{"hour": 3, "minute": 45}
